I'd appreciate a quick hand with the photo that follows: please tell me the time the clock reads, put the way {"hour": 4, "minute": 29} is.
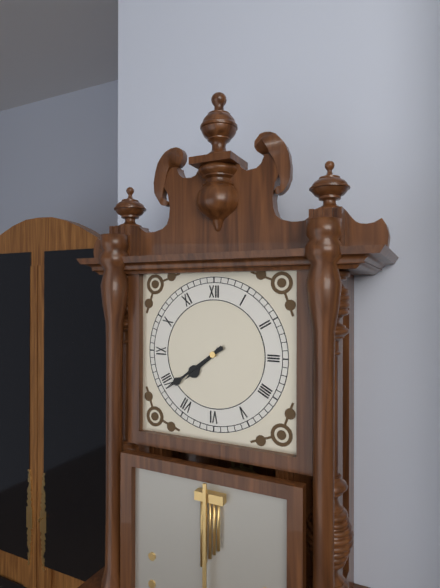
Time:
{"hour": 7, "minute": 39}
